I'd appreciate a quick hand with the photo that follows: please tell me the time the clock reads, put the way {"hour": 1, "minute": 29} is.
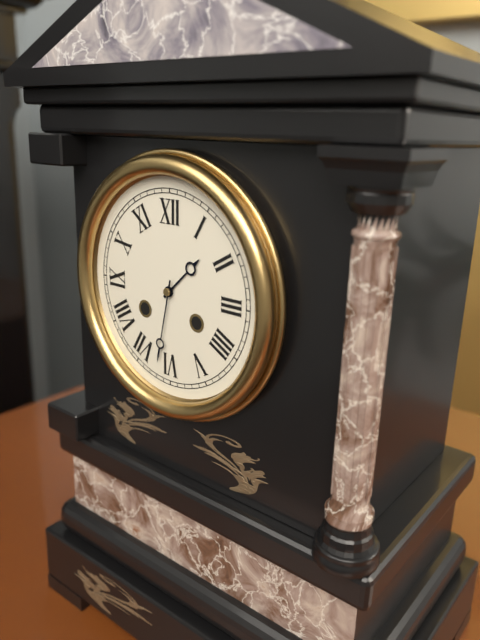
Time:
{"hour": 1, "minute": 32}
